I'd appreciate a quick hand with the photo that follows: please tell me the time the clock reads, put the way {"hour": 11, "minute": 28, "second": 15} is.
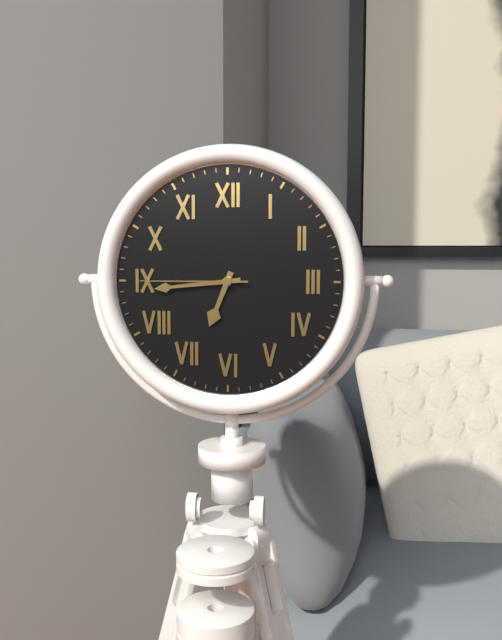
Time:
{"hour": 6, "minute": 44, "second": 45}
